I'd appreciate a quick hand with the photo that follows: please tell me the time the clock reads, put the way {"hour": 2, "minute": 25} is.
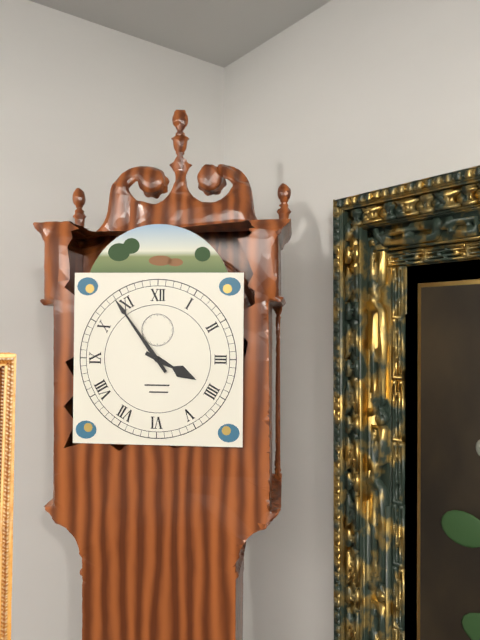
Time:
{"hour": 3, "minute": 54}
